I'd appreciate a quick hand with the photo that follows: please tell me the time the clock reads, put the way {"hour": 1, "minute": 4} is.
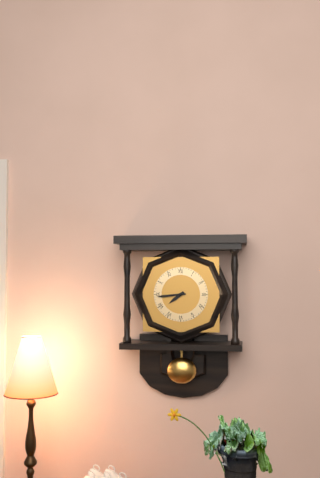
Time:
{"hour": 7, "minute": 44}
